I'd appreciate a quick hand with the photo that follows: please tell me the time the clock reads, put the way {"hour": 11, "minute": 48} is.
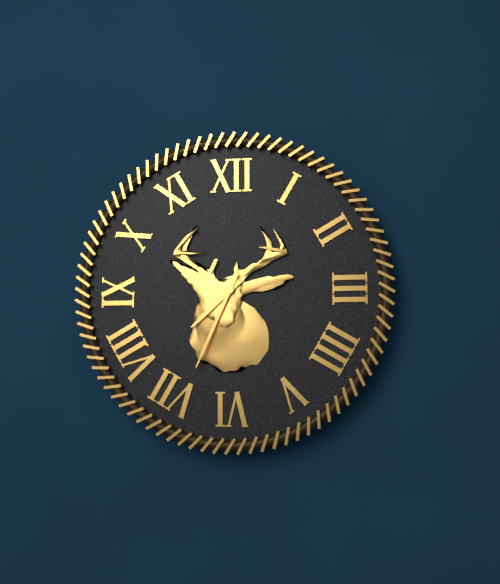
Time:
{"hour": 7, "minute": 34}
